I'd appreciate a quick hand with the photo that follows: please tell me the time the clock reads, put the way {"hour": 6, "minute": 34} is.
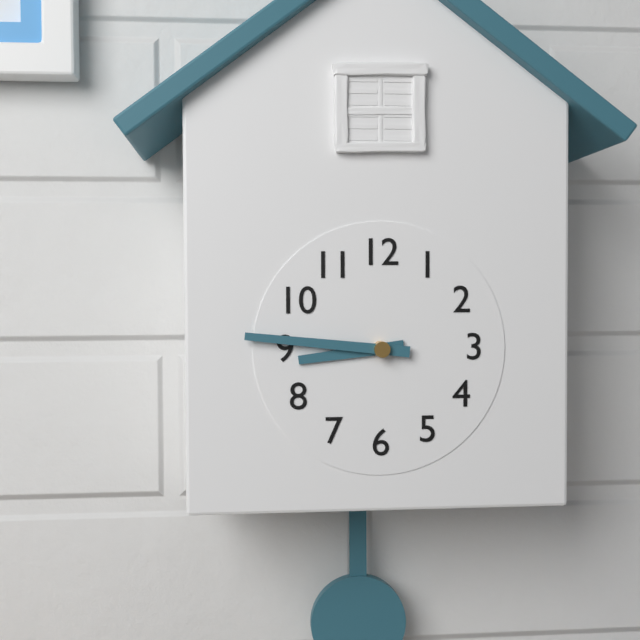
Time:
{"hour": 8, "minute": 46}
